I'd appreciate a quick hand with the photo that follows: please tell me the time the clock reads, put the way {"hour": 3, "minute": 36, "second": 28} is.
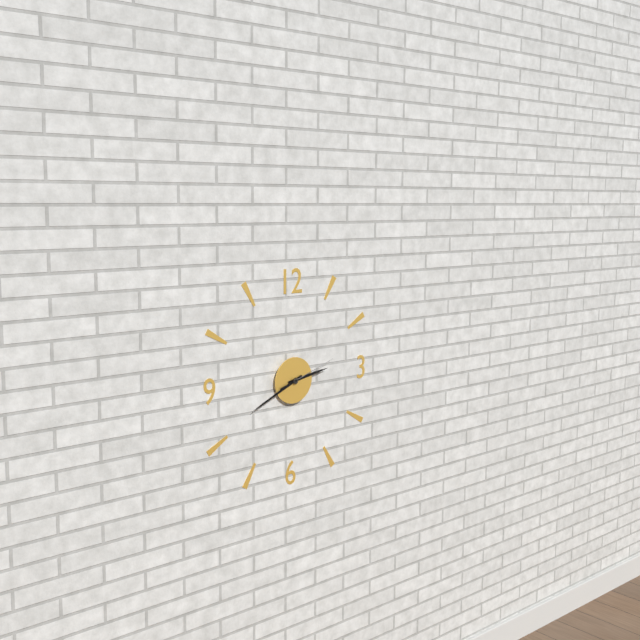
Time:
{"hour": 2, "minute": 41, "second": 12}
